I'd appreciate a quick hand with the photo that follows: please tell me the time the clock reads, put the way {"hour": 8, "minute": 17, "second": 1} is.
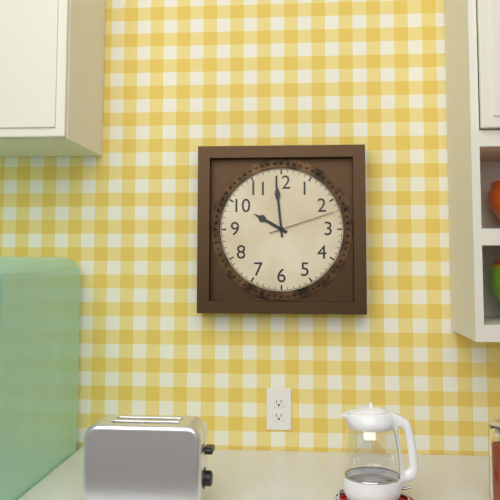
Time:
{"hour": 9, "minute": 59, "second": 12}
